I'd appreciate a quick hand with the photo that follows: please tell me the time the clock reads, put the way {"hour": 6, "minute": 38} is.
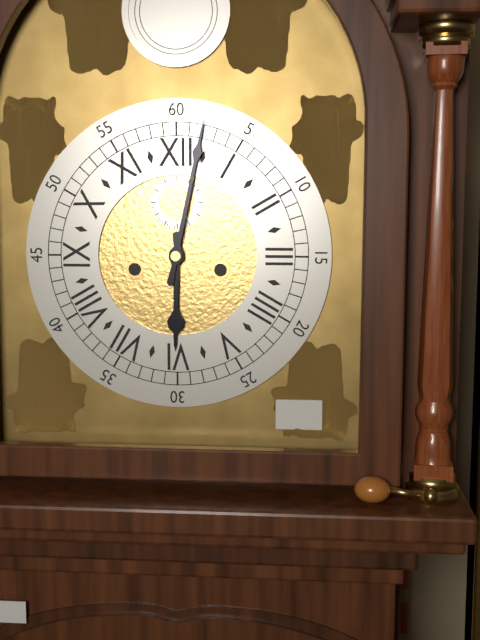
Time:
{"hour": 6, "minute": 2}
